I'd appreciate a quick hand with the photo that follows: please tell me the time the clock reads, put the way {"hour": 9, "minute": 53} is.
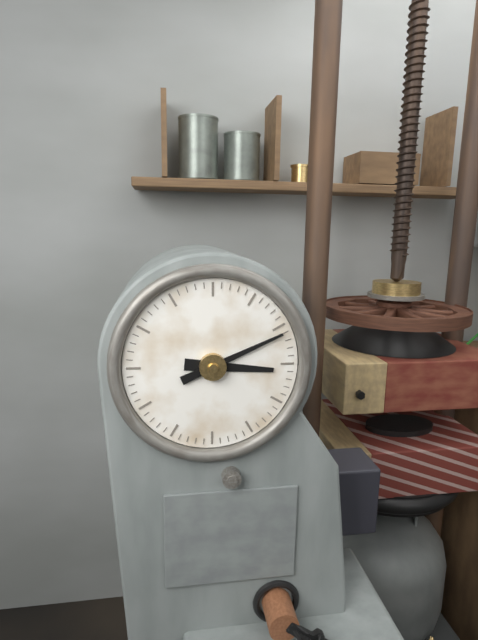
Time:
{"hour": 3, "minute": 11}
